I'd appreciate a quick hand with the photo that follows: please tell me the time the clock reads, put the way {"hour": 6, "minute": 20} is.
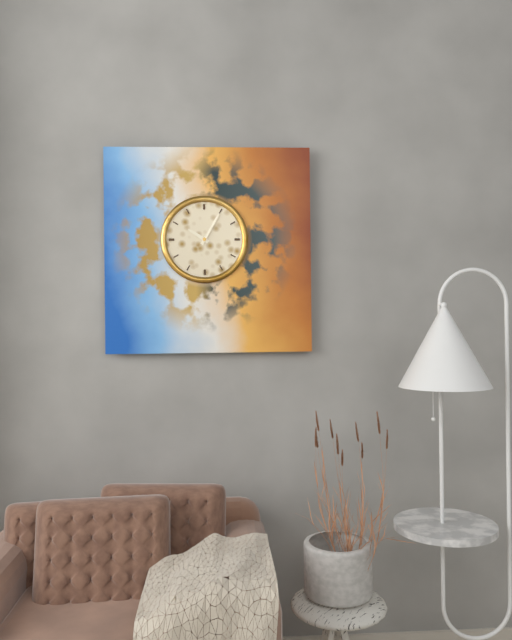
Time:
{"hour": 10, "minute": 5}
